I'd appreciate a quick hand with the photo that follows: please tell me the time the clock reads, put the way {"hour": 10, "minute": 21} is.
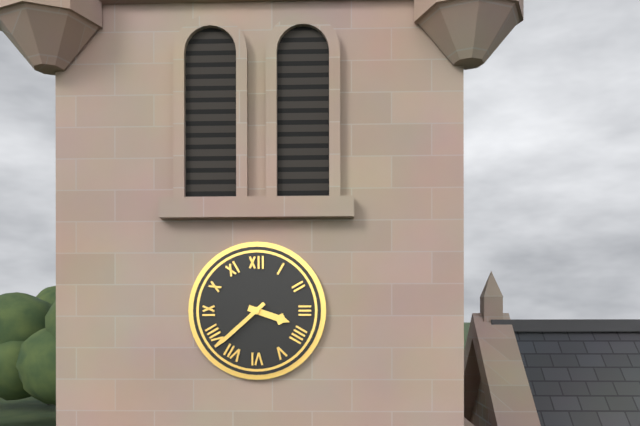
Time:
{"hour": 3, "minute": 38}
